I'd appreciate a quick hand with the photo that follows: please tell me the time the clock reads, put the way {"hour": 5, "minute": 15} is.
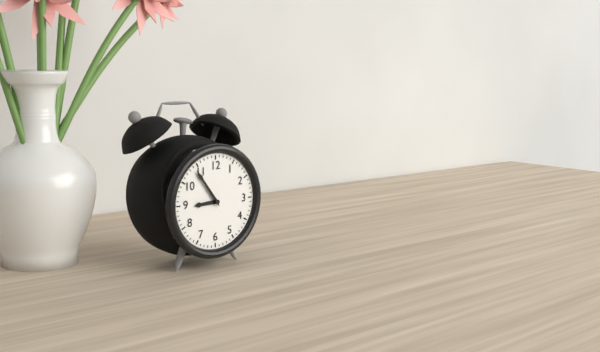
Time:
{"hour": 8, "minute": 54}
